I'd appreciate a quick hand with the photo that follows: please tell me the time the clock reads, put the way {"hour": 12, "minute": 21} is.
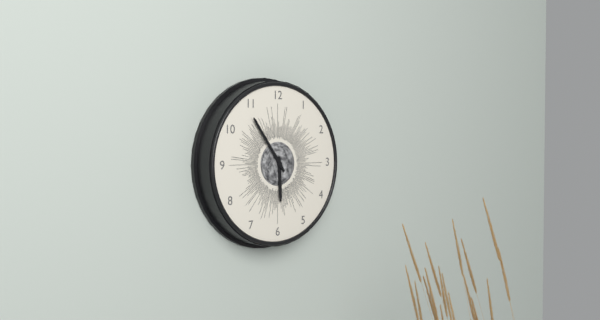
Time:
{"hour": 5, "minute": 54}
